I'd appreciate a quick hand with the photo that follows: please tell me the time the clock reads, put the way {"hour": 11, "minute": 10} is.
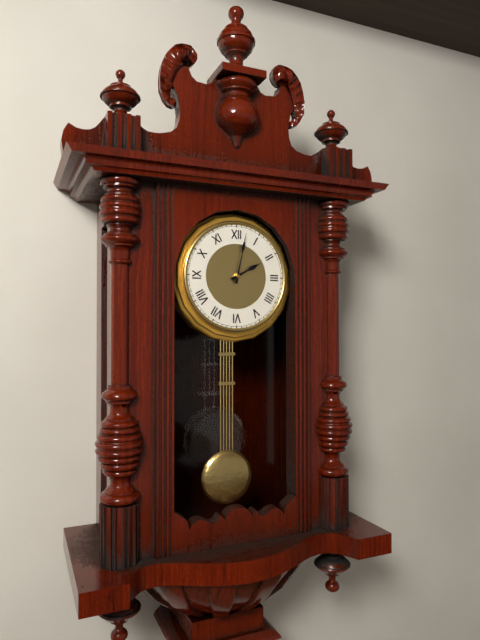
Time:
{"hour": 2, "minute": 2}
